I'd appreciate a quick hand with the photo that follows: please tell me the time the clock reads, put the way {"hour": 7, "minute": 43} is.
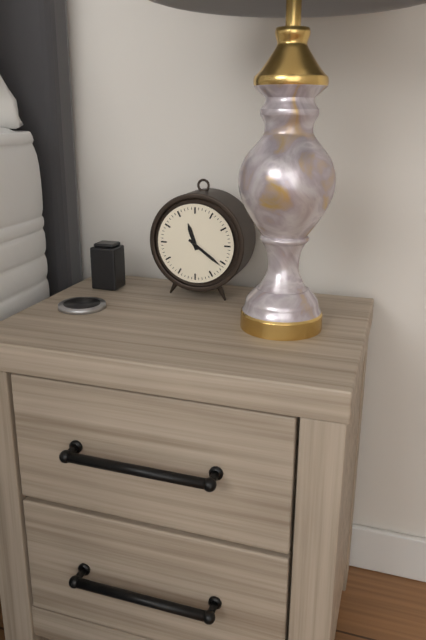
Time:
{"hour": 11, "minute": 21}
